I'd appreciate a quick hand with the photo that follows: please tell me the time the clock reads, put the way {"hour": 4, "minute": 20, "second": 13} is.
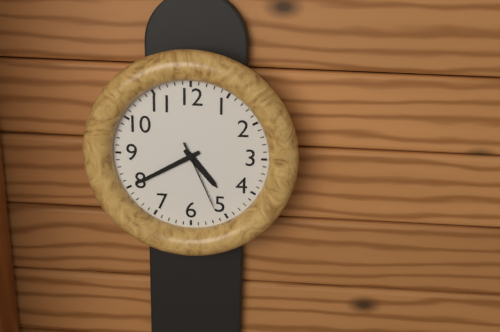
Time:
{"hour": 4, "minute": 40, "second": 26}
